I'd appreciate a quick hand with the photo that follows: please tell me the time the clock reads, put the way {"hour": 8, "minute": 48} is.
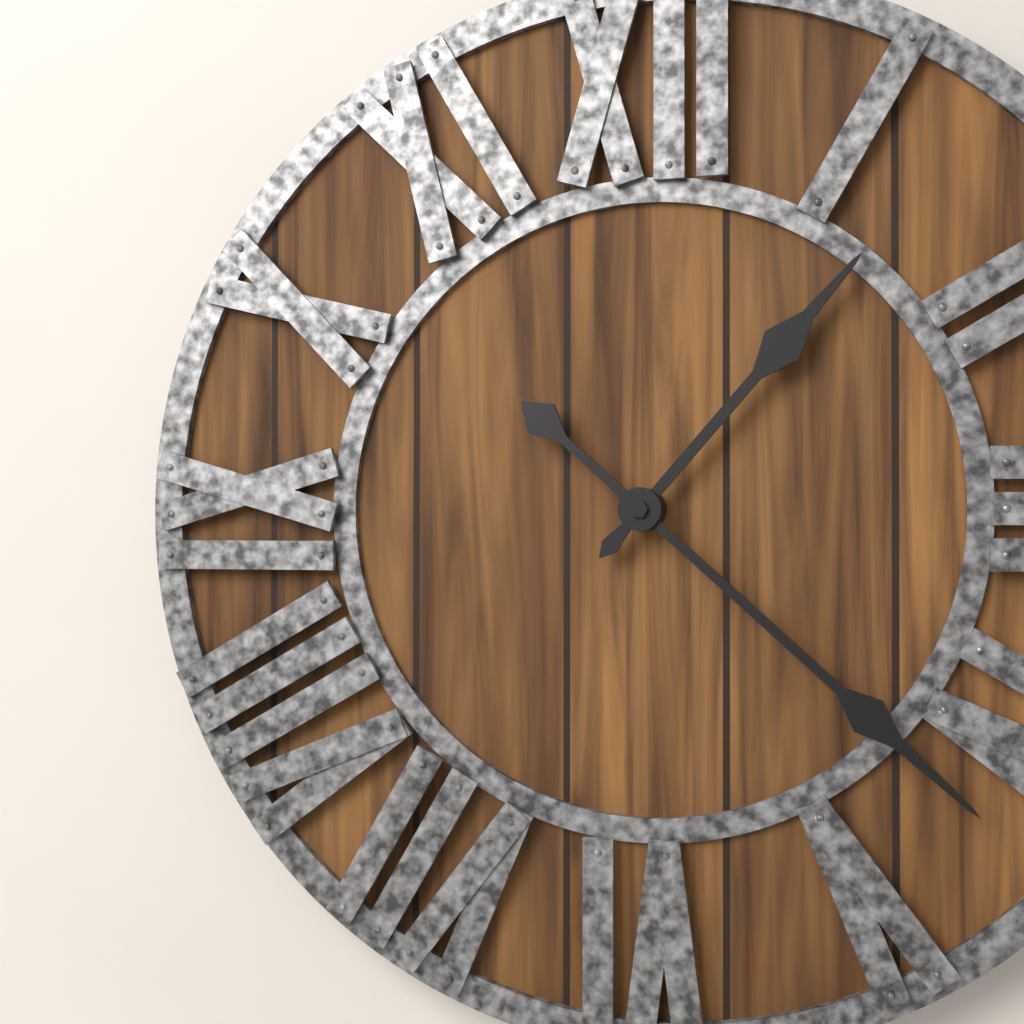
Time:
{"hour": 1, "minute": 22}
